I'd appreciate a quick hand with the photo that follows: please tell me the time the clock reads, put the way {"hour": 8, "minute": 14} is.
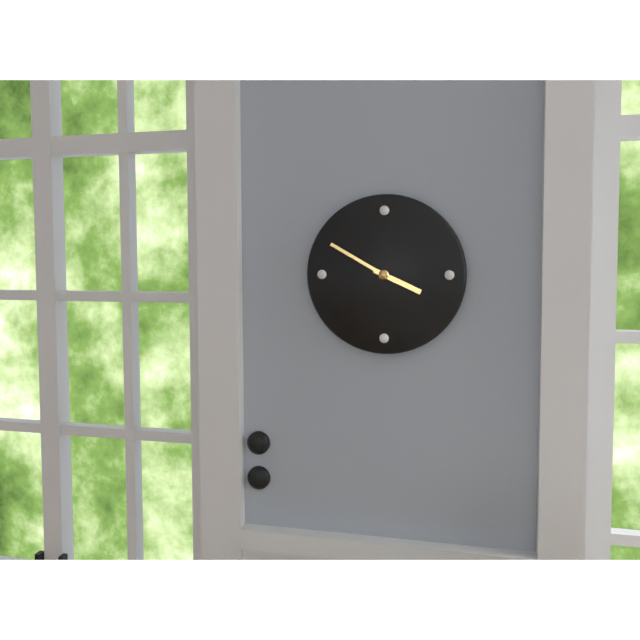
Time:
{"hour": 3, "minute": 50}
